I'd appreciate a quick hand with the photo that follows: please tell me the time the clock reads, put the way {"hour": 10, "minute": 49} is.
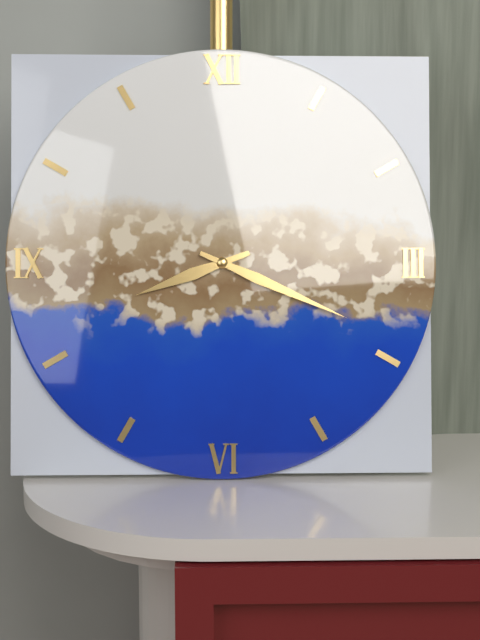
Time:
{"hour": 8, "minute": 19}
